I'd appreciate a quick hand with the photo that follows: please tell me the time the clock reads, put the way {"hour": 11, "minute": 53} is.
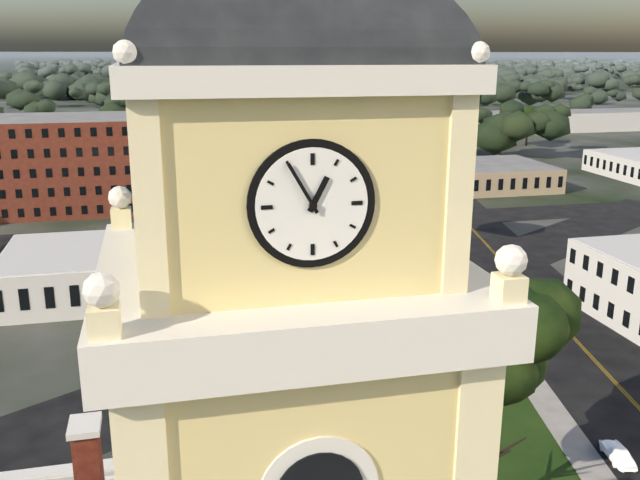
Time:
{"hour": 12, "minute": 55}
